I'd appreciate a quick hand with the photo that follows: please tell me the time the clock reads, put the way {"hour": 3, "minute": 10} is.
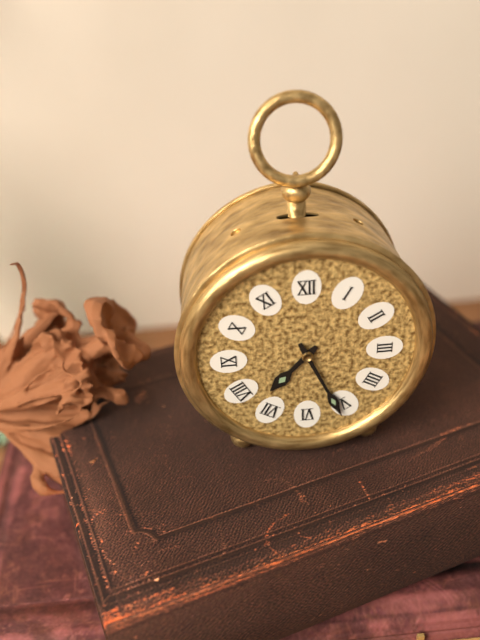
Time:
{"hour": 7, "minute": 26}
